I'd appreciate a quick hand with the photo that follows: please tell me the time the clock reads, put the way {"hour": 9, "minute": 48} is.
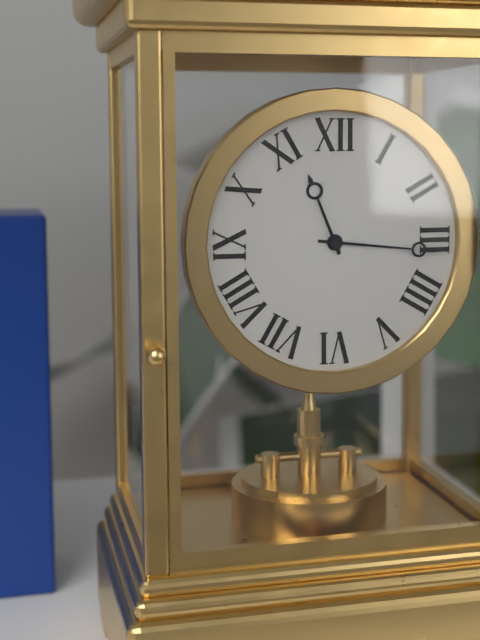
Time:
{"hour": 11, "minute": 16}
